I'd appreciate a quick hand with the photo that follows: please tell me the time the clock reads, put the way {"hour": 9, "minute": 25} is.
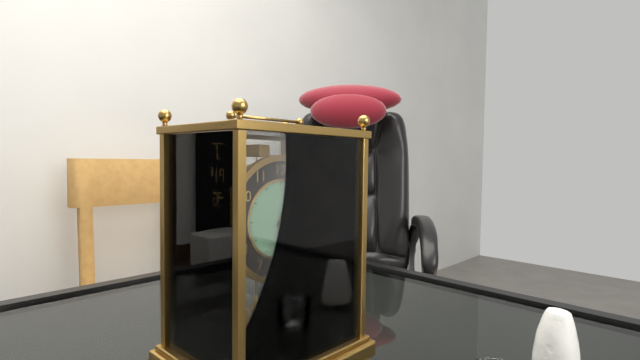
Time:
{"hour": 1, "minute": 6}
